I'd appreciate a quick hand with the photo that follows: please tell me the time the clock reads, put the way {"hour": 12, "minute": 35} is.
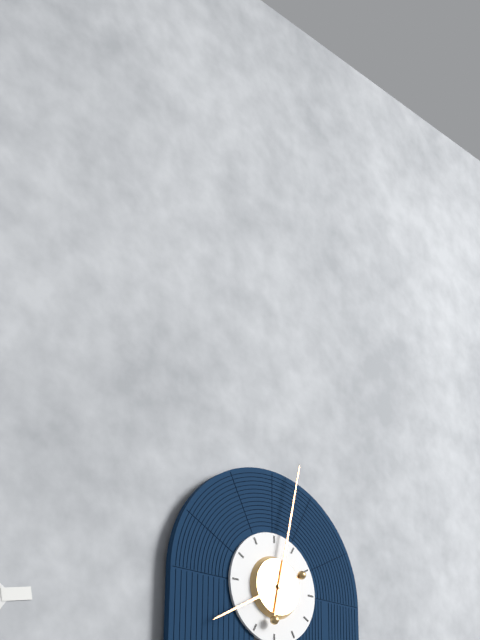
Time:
{"hour": 8, "minute": 2}
